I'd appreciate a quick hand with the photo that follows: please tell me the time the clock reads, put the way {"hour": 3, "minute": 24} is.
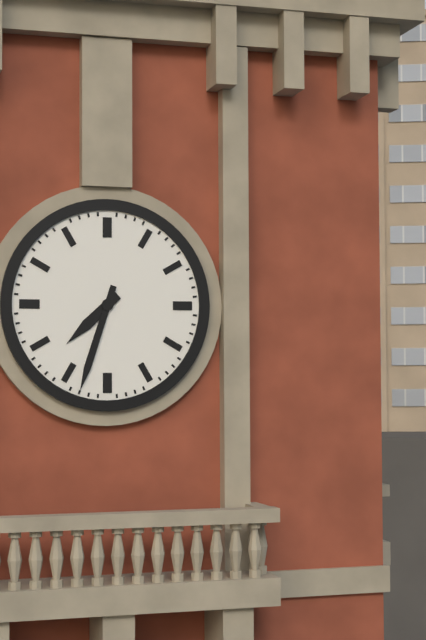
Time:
{"hour": 7, "minute": 33}
